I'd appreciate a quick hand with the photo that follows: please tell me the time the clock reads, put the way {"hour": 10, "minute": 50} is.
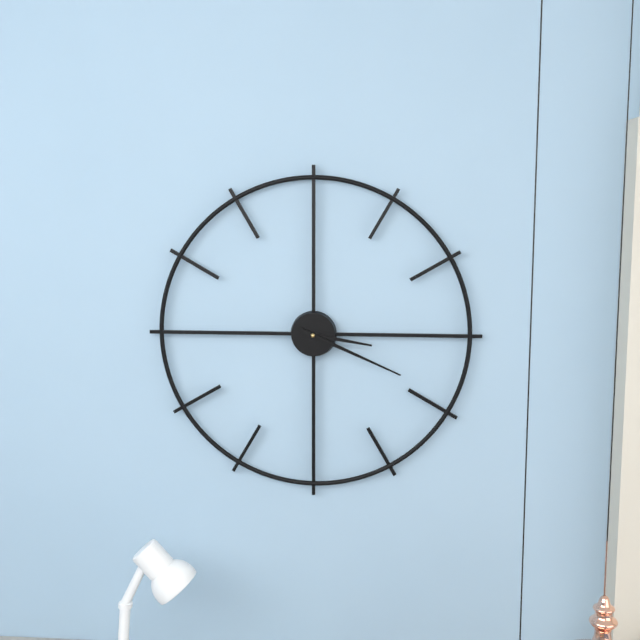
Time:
{"hour": 3, "minute": 19}
